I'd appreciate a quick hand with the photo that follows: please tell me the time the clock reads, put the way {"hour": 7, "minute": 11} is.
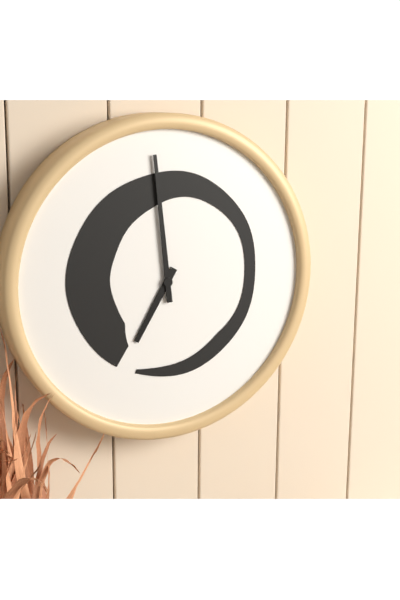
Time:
{"hour": 6, "minute": 59}
